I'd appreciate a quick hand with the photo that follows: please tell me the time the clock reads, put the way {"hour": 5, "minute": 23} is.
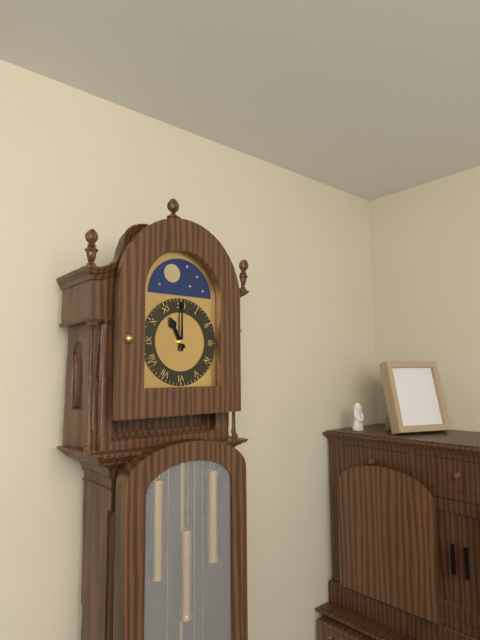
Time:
{"hour": 11, "minute": 0}
